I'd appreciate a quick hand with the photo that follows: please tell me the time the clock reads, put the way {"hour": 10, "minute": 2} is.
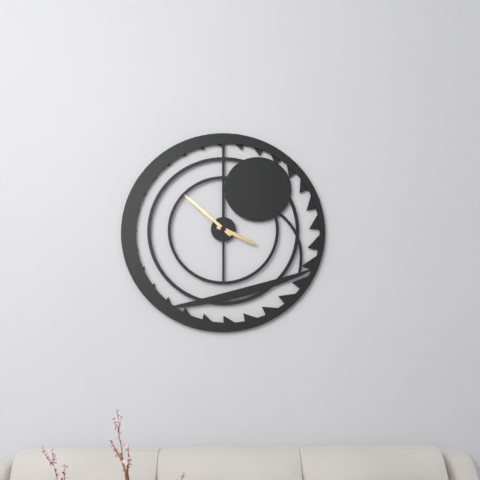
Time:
{"hour": 3, "minute": 52}
